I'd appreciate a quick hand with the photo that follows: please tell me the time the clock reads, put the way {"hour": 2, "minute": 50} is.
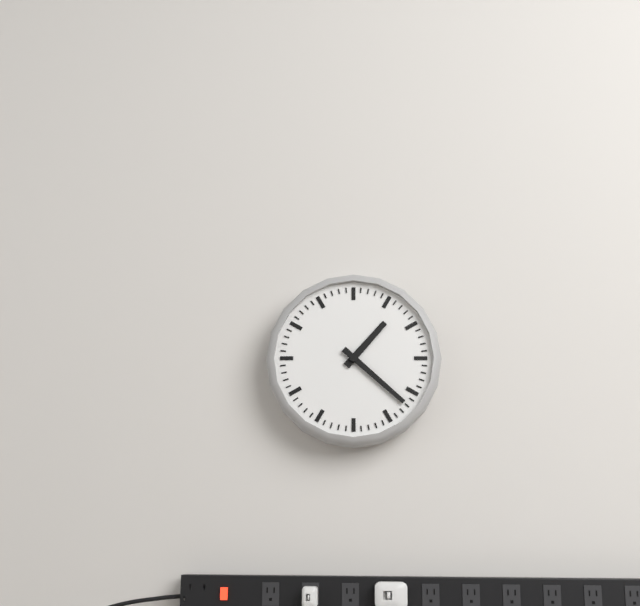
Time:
{"hour": 1, "minute": 22}
